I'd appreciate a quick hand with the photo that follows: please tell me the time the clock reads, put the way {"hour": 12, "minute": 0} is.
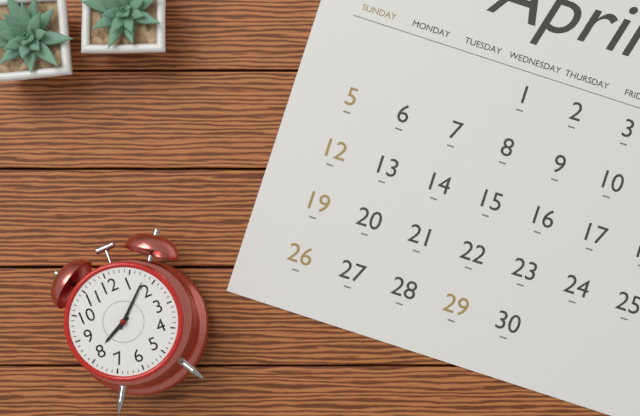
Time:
{"hour": 8, "minute": 8}
